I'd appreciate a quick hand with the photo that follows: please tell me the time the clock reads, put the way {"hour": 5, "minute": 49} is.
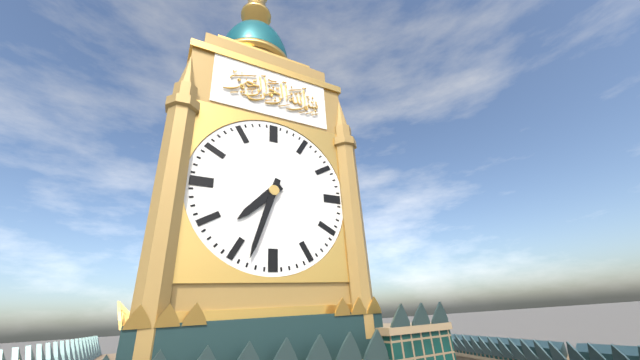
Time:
{"hour": 7, "minute": 33}
